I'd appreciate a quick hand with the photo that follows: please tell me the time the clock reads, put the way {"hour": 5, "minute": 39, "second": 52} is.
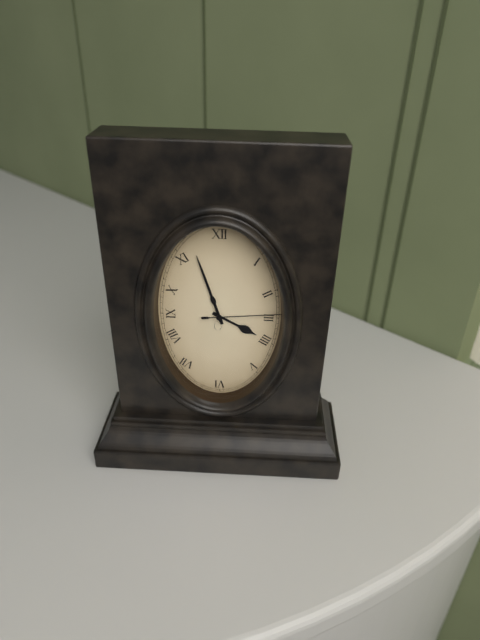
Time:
{"hour": 3, "minute": 57, "second": 14}
